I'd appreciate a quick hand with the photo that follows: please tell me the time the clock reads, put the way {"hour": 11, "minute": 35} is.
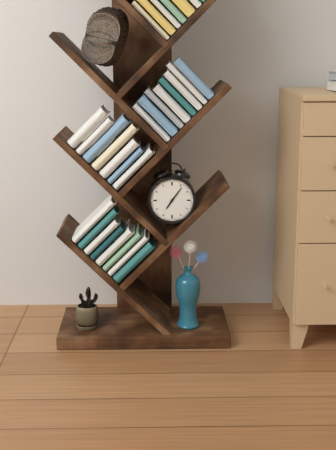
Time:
{"hour": 7, "minute": 6}
